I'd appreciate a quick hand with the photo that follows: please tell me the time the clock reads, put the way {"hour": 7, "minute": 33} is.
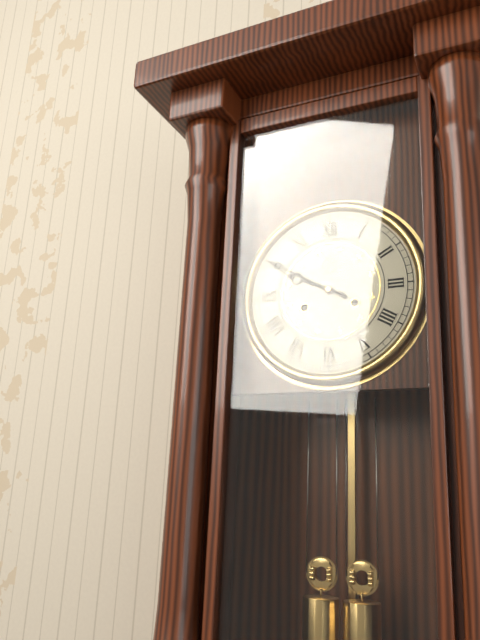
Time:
{"hour": 9, "minute": 50}
